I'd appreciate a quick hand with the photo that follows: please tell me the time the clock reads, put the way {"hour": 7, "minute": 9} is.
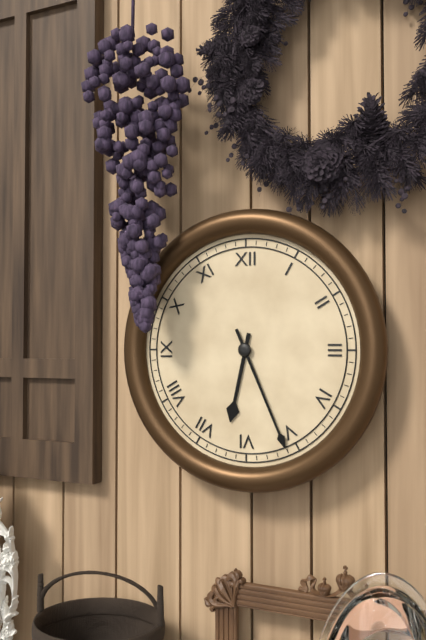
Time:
{"hour": 6, "minute": 26}
